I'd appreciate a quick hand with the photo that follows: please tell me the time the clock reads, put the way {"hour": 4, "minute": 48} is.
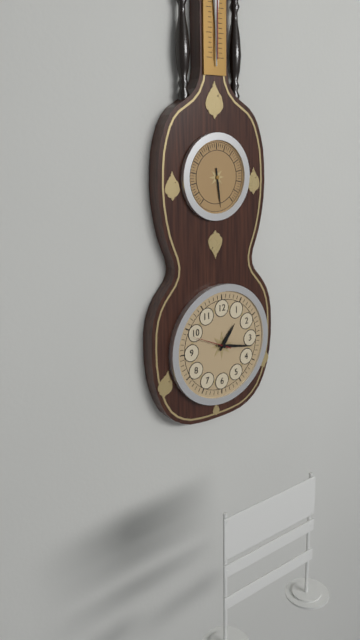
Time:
{"hour": 1, "minute": 17}
